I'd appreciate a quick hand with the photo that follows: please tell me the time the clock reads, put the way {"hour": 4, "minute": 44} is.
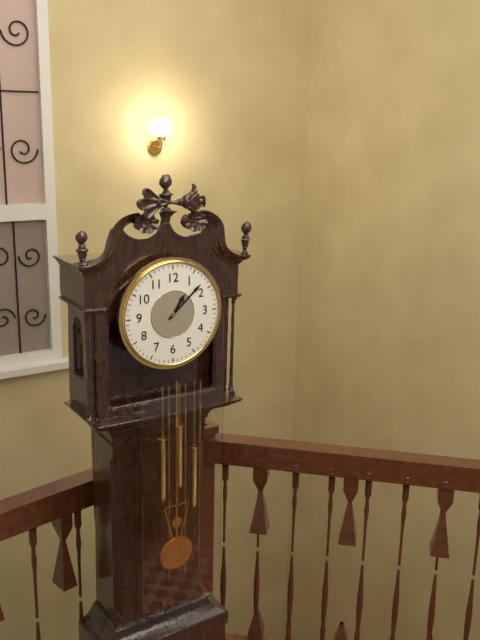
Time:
{"hour": 1, "minute": 8}
